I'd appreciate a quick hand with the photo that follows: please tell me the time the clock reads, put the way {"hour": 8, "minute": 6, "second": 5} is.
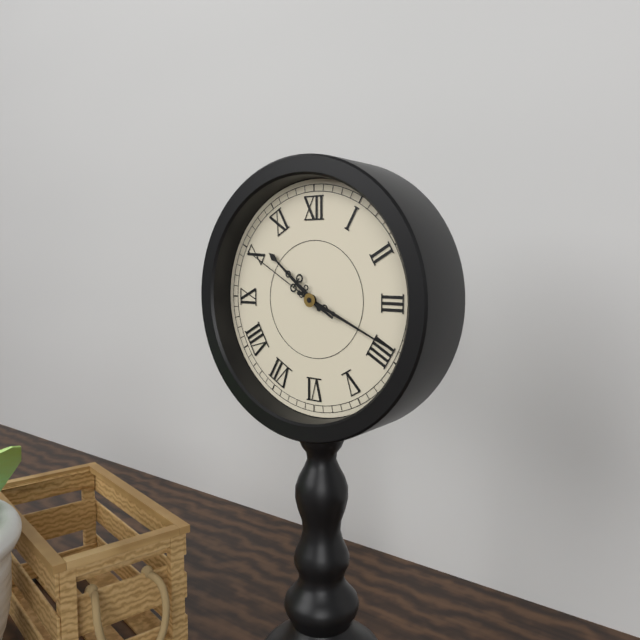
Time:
{"hour": 10, "minute": 19, "second": 50}
